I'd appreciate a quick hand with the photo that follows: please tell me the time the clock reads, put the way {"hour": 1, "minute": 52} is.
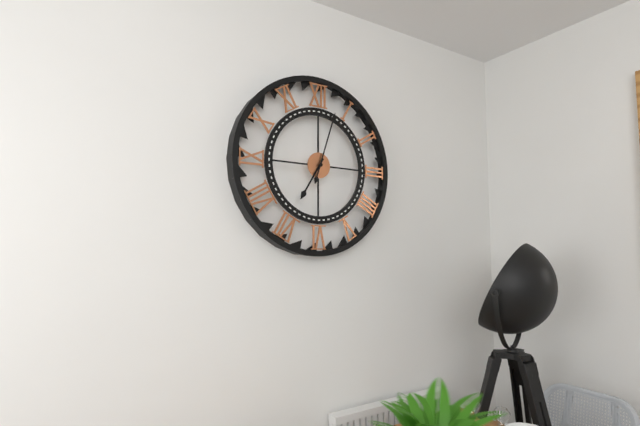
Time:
{"hour": 7, "minute": 3}
